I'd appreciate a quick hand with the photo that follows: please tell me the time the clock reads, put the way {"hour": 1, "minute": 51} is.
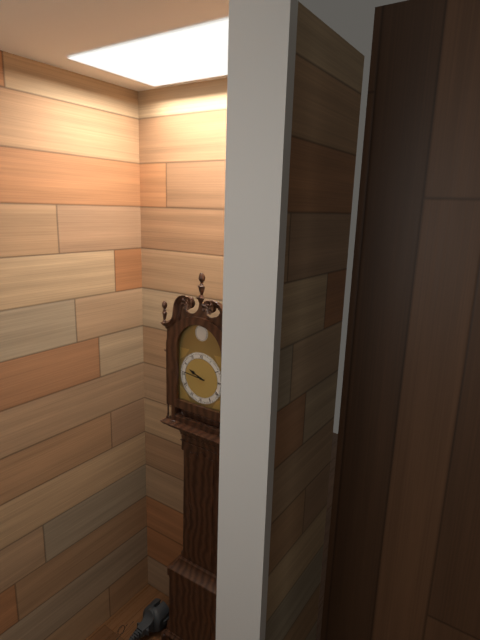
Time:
{"hour": 9, "minute": 46}
